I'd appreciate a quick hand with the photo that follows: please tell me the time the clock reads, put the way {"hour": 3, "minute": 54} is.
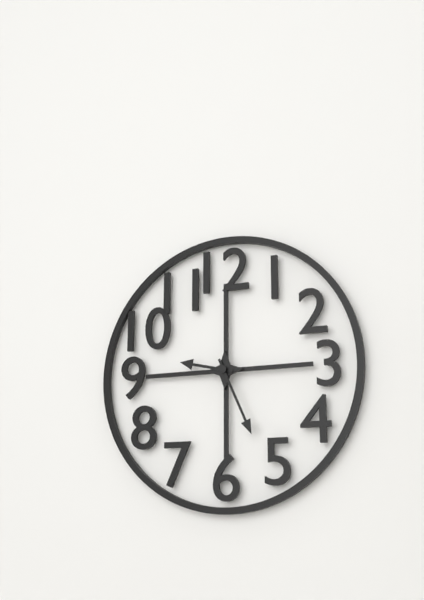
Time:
{"hour": 9, "minute": 26}
